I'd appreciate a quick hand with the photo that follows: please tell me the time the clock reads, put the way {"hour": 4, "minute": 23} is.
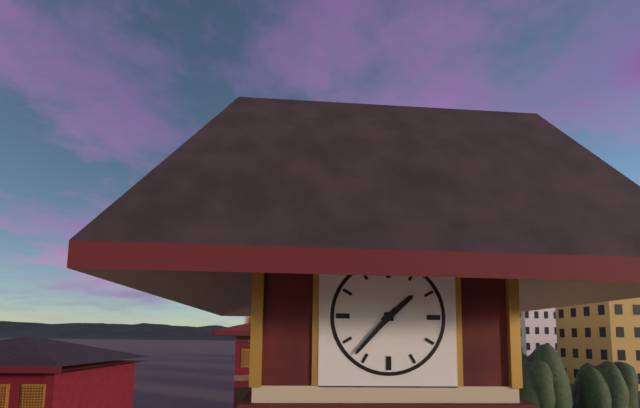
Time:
{"hour": 1, "minute": 37}
